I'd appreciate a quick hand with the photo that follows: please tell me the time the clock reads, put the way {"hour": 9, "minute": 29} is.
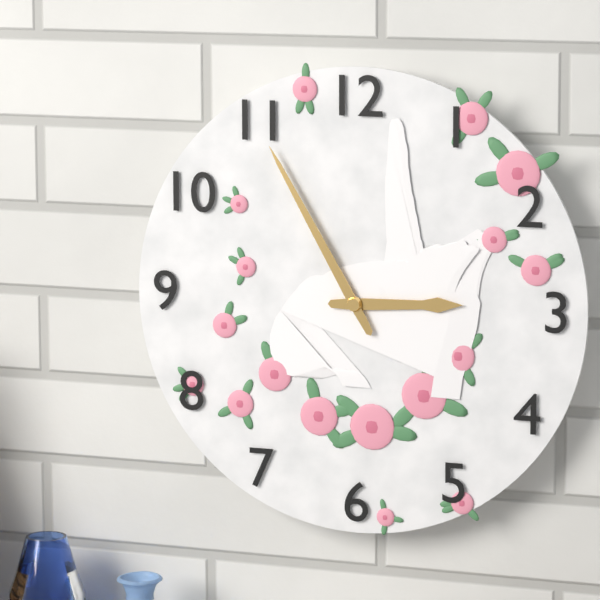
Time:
{"hour": 2, "minute": 55}
